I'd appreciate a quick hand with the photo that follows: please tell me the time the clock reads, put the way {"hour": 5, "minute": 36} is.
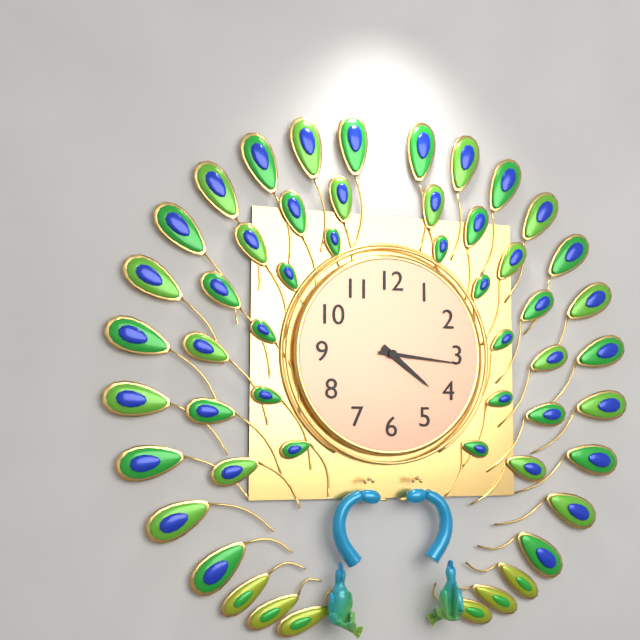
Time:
{"hour": 4, "minute": 16}
